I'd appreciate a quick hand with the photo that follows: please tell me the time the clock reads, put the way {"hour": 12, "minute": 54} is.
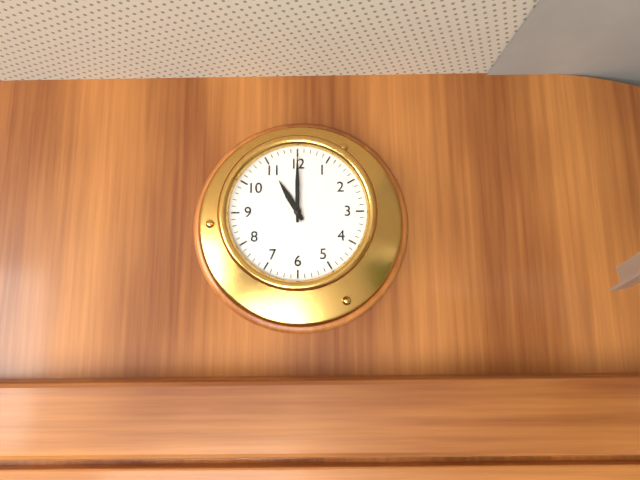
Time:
{"hour": 11, "minute": 0}
